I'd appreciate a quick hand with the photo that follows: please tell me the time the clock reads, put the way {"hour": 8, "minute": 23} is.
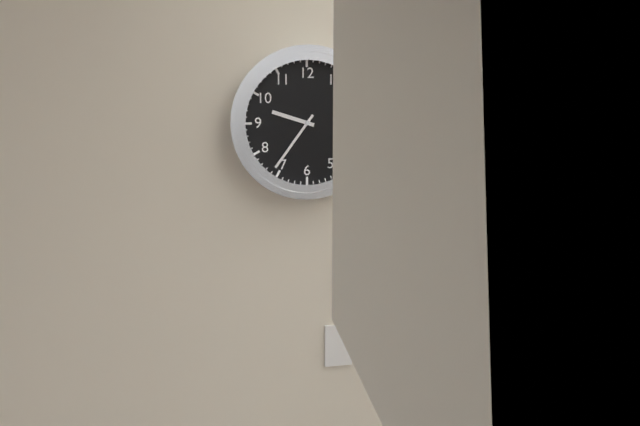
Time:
{"hour": 9, "minute": 36}
